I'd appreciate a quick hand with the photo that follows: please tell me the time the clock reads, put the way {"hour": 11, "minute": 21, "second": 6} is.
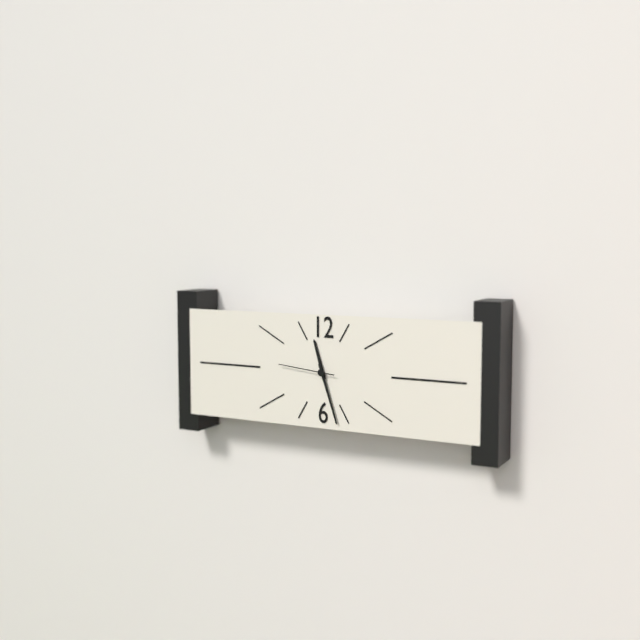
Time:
{"hour": 11, "minute": 27, "second": 46}
